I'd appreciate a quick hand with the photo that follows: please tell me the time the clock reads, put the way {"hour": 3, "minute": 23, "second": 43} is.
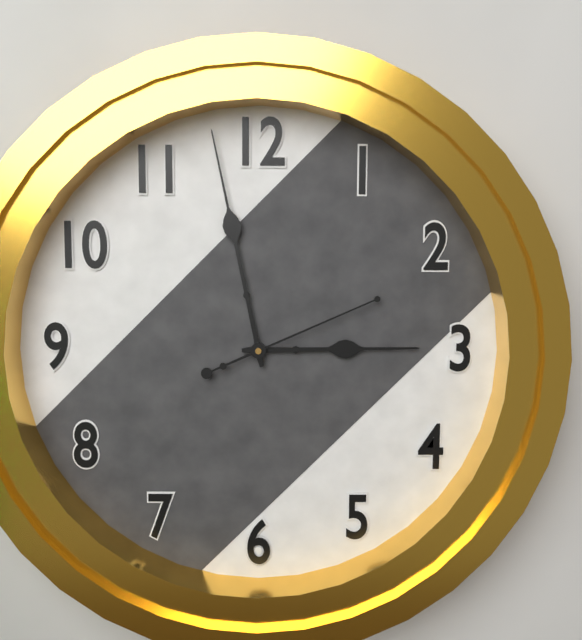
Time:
{"hour": 2, "minute": 58, "second": 11}
